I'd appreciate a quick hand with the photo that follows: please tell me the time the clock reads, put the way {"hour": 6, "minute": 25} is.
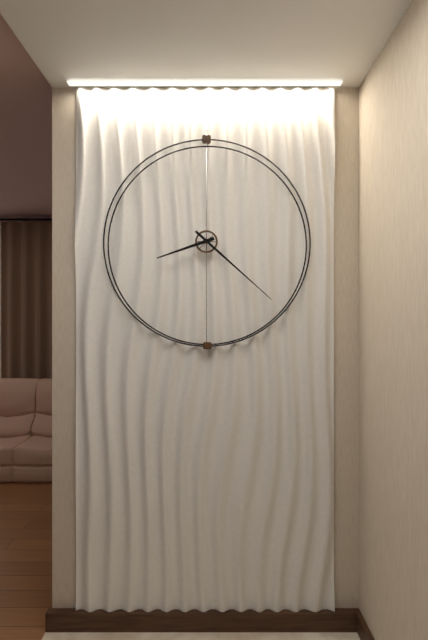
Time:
{"hour": 8, "minute": 22}
